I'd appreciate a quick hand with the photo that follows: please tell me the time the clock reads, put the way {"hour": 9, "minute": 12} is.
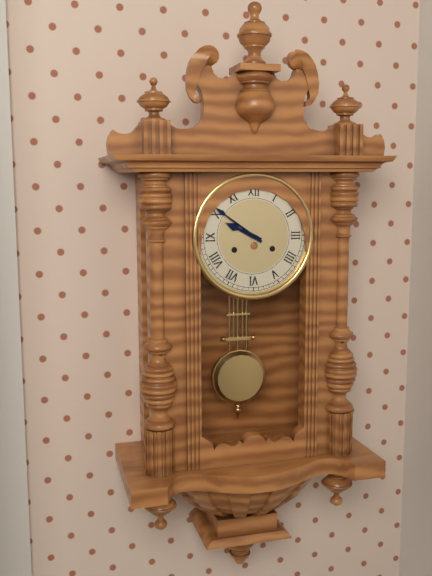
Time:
{"hour": 9, "minute": 51}
